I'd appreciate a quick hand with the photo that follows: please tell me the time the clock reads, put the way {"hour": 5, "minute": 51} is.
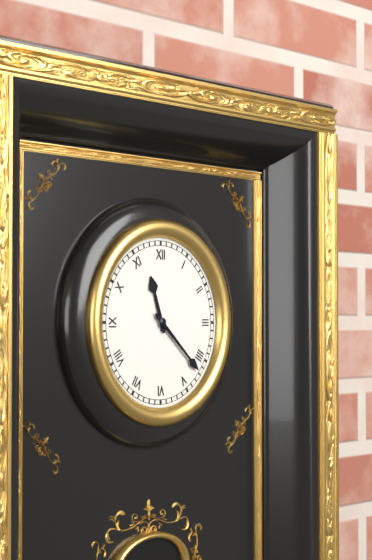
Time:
{"hour": 11, "minute": 22}
